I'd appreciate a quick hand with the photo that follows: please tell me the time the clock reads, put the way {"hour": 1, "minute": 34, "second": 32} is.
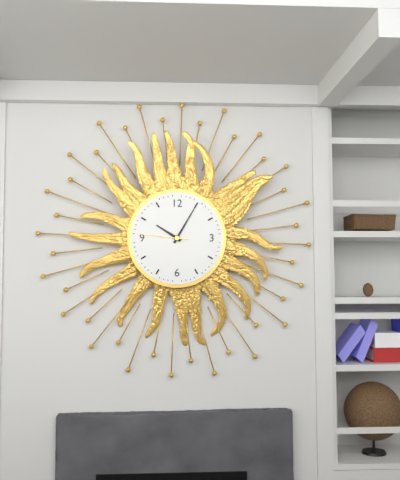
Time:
{"hour": 10, "minute": 5, "second": 46}
